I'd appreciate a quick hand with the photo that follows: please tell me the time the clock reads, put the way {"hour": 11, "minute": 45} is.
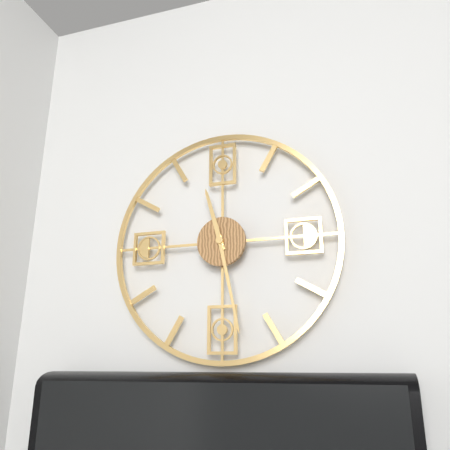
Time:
{"hour": 11, "minute": 28}
